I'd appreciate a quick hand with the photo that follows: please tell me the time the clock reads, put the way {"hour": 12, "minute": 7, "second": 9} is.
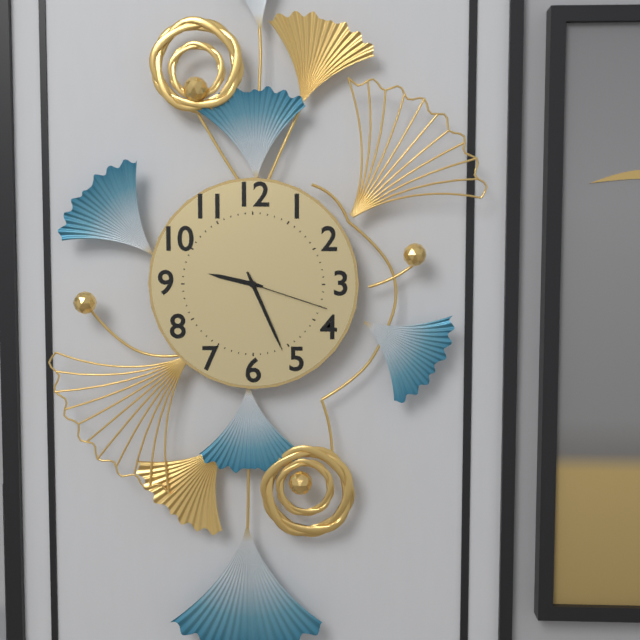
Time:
{"hour": 9, "minute": 26, "second": 18}
